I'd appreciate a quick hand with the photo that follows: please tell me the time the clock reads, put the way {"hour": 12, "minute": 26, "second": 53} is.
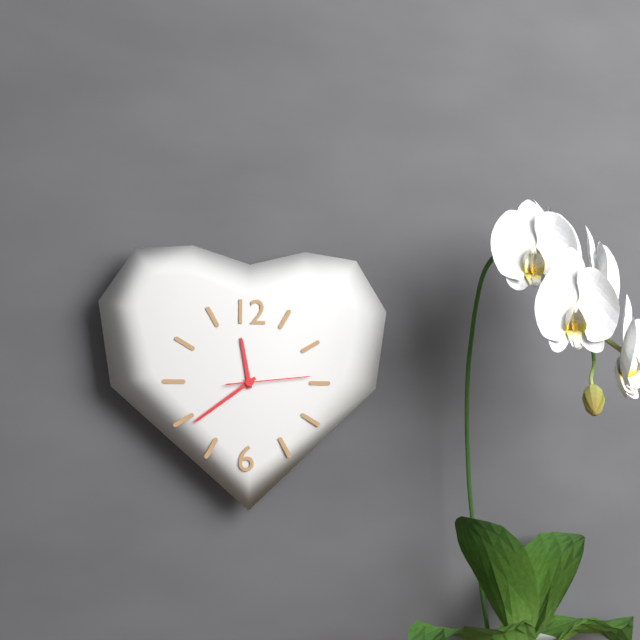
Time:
{"hour": 11, "minute": 39, "second": 14}
